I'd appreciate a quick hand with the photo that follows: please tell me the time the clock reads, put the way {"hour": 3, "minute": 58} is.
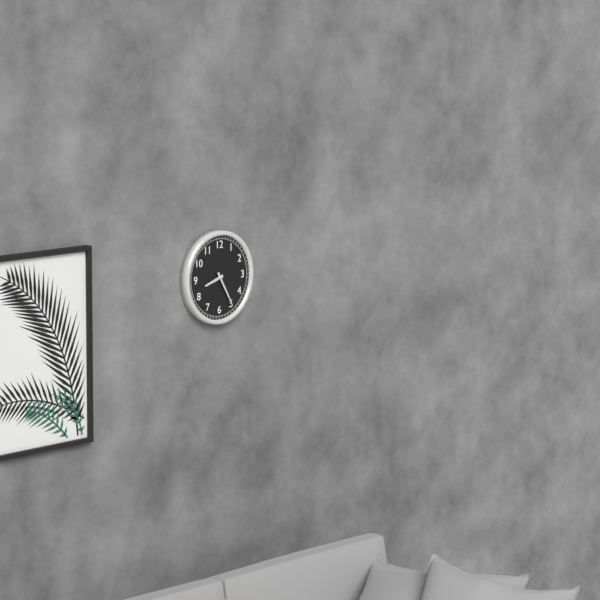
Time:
{"hour": 8, "minute": 25}
